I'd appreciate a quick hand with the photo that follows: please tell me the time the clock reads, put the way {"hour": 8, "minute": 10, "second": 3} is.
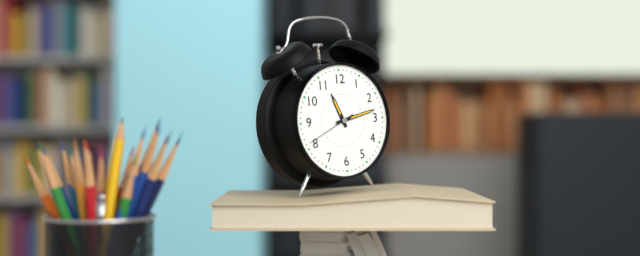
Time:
{"hour": 11, "minute": 13, "second": 41}
